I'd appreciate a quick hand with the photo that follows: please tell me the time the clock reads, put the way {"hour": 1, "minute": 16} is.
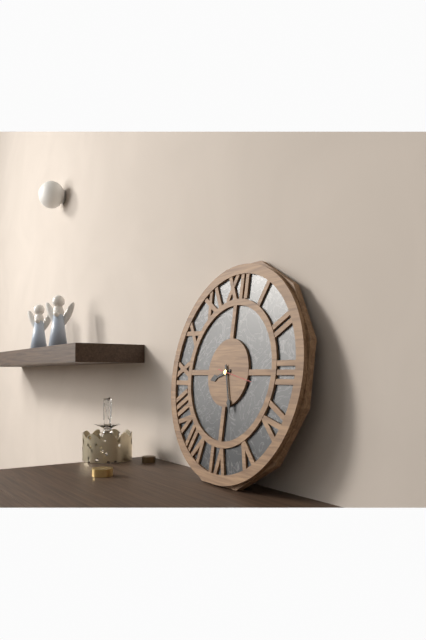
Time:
{"hour": 8, "minute": 27}
